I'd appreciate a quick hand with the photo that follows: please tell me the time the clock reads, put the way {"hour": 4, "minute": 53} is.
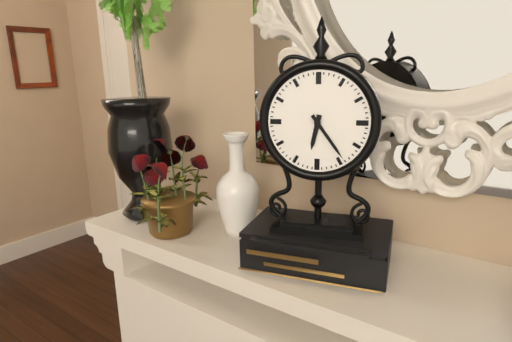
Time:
{"hour": 6, "minute": 24}
